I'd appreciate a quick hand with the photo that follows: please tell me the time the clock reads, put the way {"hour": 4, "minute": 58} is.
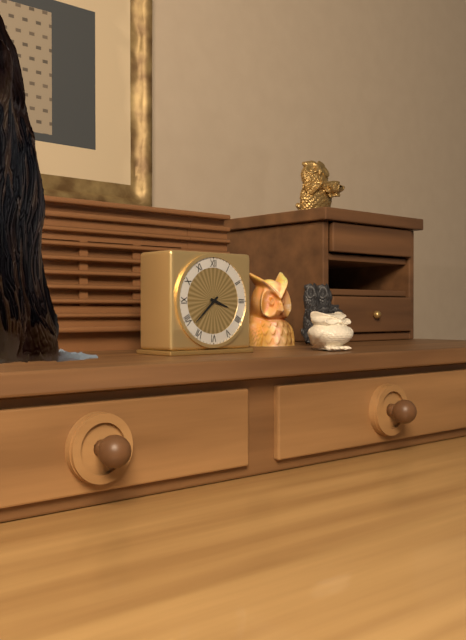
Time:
{"hour": 3, "minute": 38}
